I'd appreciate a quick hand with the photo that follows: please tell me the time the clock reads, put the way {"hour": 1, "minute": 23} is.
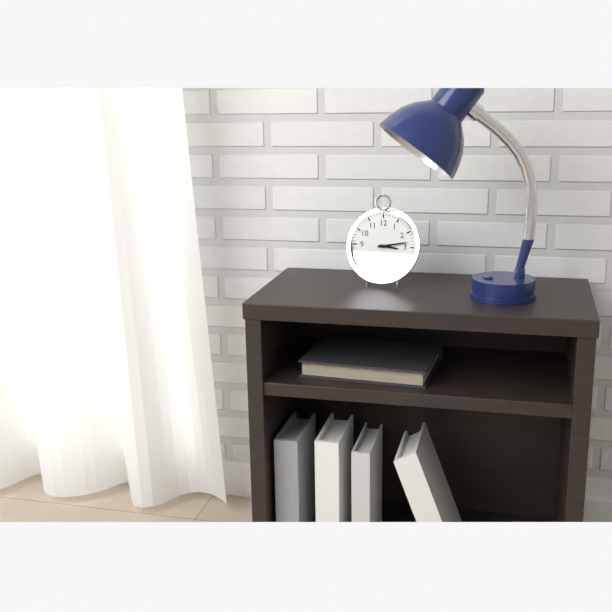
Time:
{"hour": 3, "minute": 13}
